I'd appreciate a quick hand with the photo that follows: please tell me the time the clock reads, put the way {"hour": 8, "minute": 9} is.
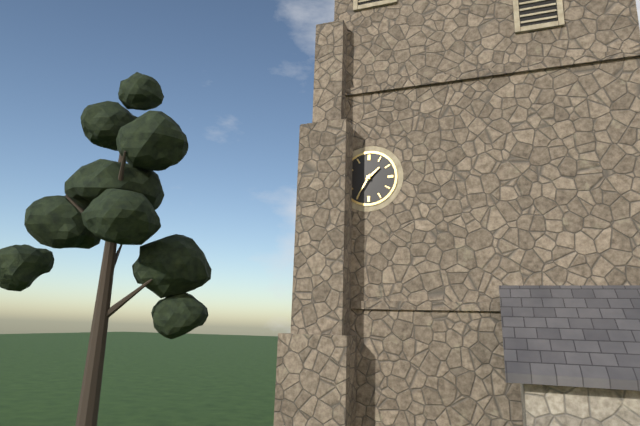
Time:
{"hour": 1, "minute": 35}
